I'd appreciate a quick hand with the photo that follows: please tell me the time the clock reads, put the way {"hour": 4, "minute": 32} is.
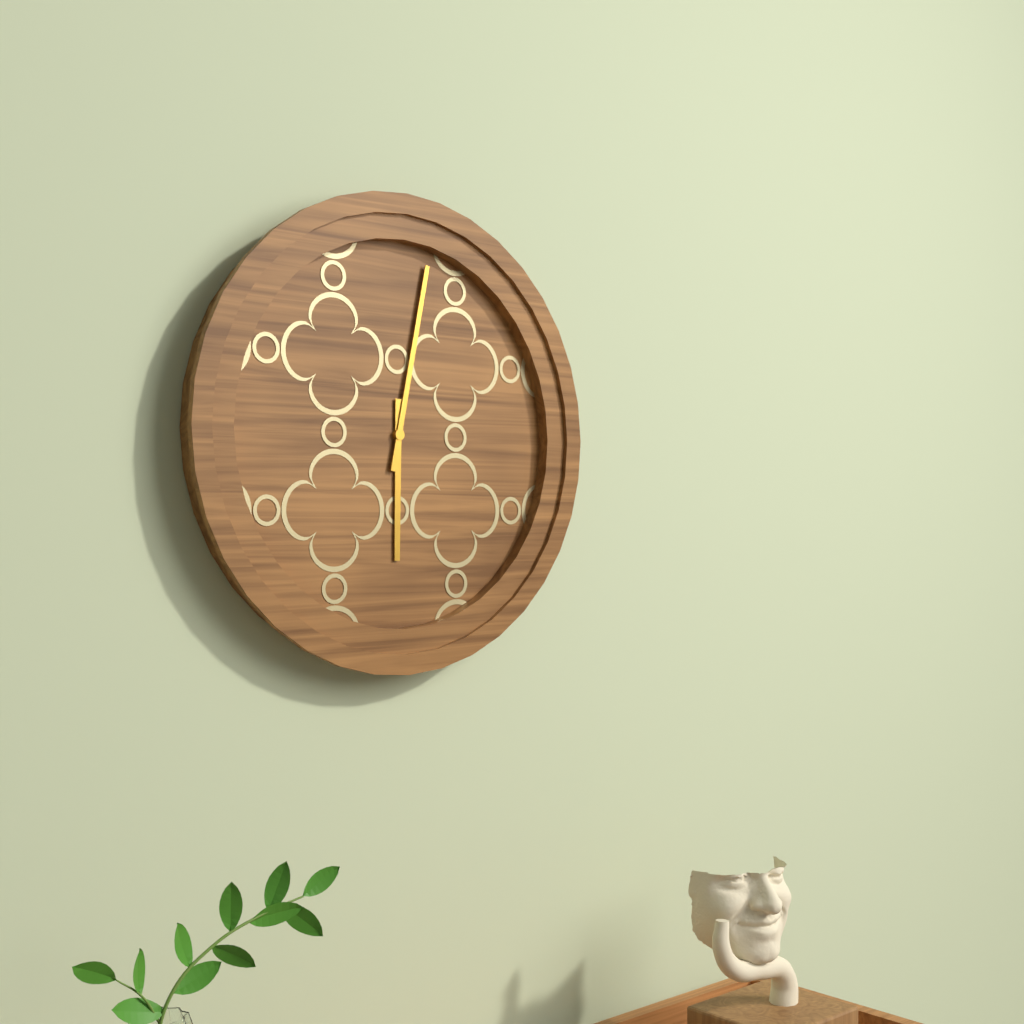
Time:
{"hour": 6, "minute": 2}
